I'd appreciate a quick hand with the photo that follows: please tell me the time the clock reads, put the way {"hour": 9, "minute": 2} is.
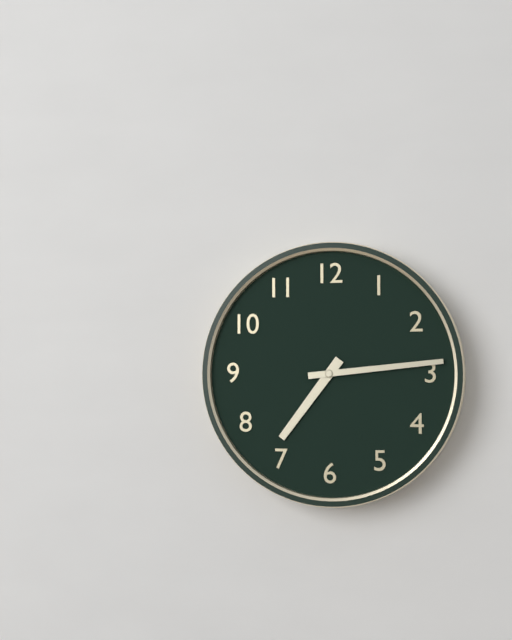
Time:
{"hour": 7, "minute": 14}
